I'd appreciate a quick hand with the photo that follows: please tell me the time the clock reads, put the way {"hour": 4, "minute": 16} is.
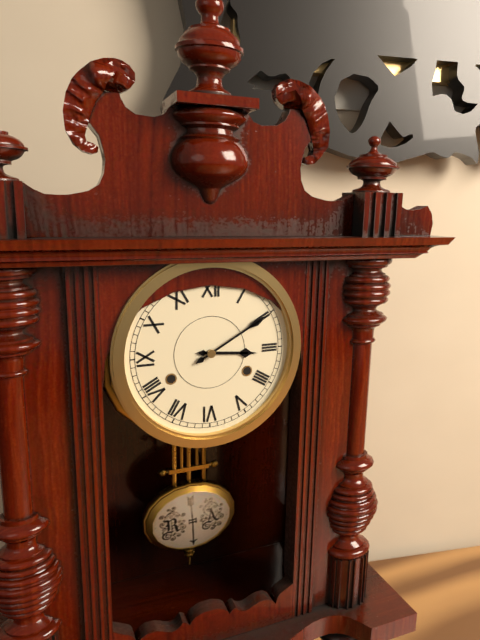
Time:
{"hour": 3, "minute": 10}
